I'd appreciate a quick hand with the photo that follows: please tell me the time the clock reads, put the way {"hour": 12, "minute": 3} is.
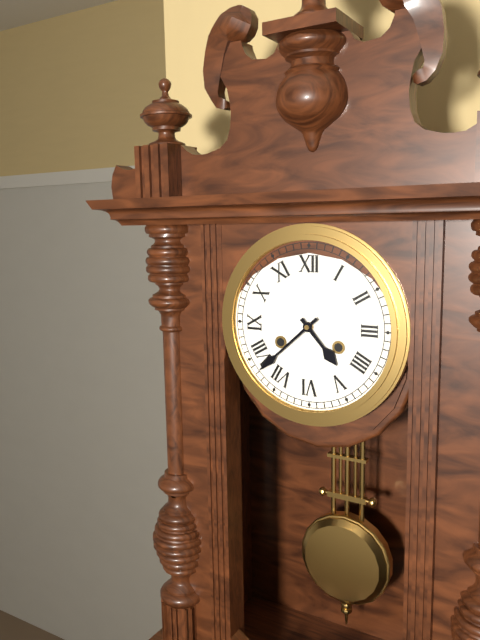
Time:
{"hour": 4, "minute": 38}
